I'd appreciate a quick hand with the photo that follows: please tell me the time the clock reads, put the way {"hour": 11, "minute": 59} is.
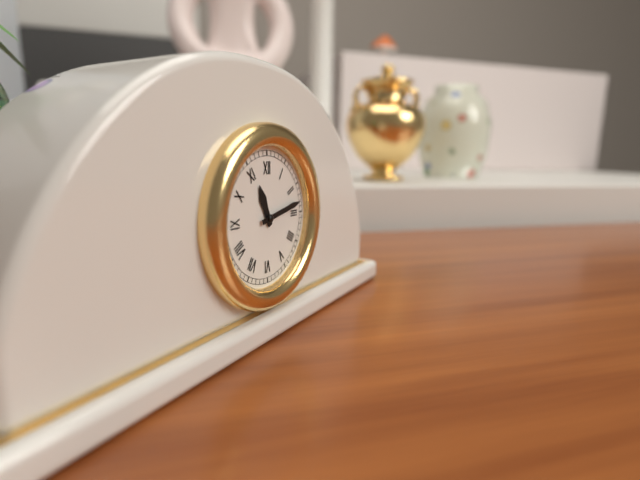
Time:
{"hour": 11, "minute": 13}
